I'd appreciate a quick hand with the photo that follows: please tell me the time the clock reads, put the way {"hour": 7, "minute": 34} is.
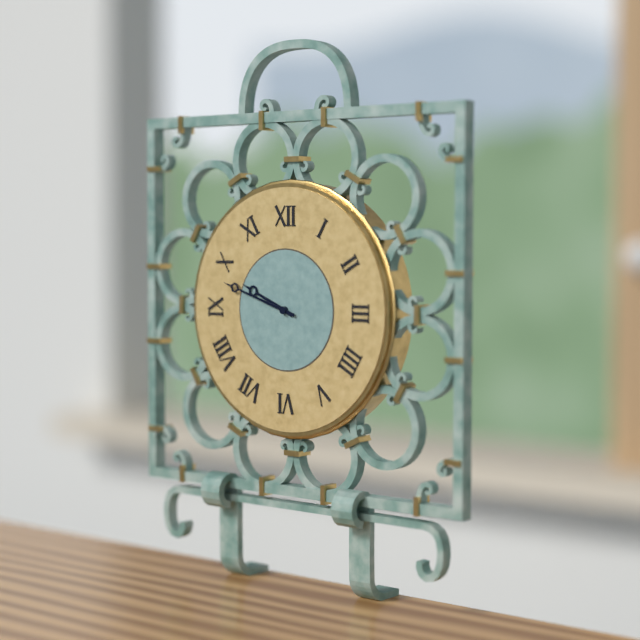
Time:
{"hour": 9, "minute": 48}
